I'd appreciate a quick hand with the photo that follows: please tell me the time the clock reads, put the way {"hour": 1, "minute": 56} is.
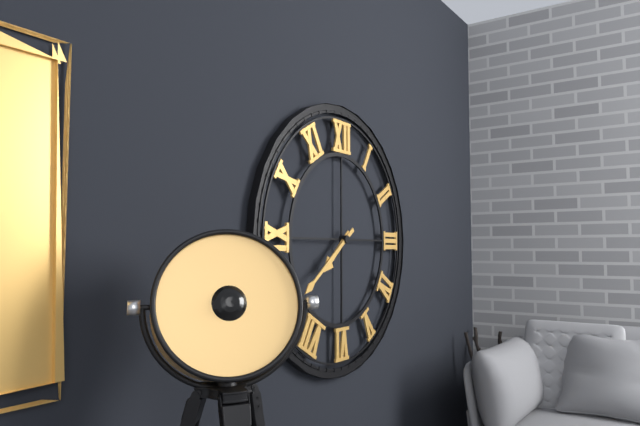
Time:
{"hour": 7, "minute": 39}
